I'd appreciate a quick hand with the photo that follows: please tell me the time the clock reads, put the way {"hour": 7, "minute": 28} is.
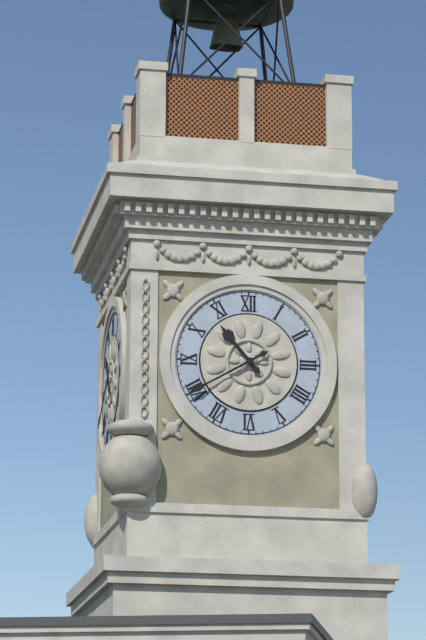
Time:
{"hour": 10, "minute": 40}
